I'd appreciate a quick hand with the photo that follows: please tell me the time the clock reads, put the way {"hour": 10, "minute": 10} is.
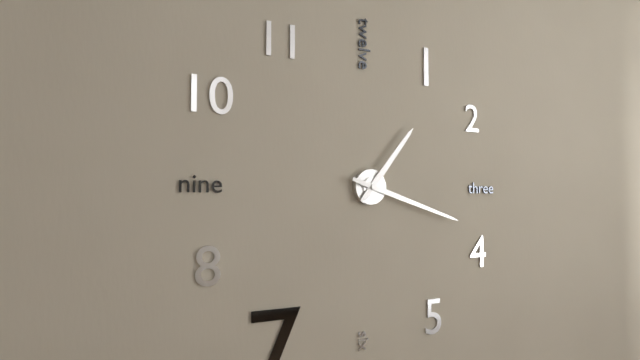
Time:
{"hour": 1, "minute": 18}
